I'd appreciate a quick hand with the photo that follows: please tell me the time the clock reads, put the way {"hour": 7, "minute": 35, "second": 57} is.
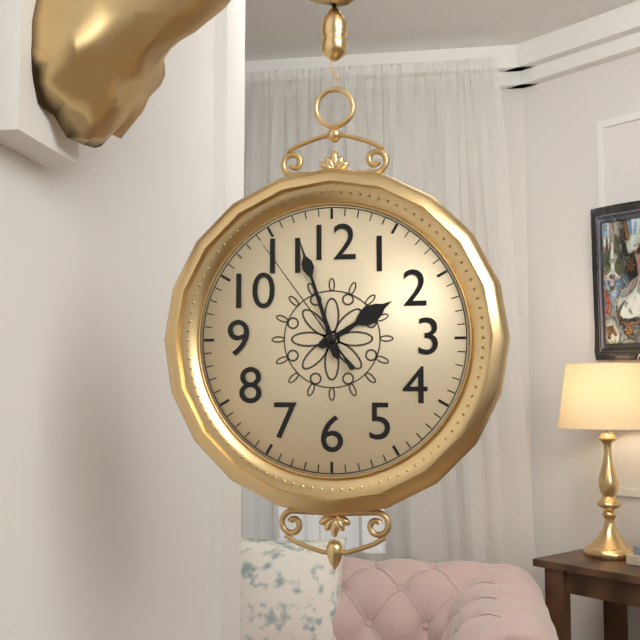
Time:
{"hour": 1, "minute": 57, "second": 54}
